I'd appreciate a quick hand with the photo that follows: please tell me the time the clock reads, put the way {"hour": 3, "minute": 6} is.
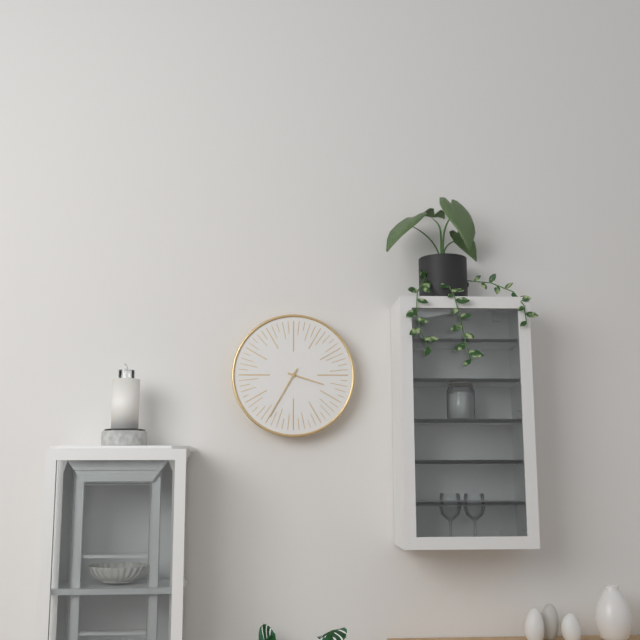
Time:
{"hour": 3, "minute": 35}
